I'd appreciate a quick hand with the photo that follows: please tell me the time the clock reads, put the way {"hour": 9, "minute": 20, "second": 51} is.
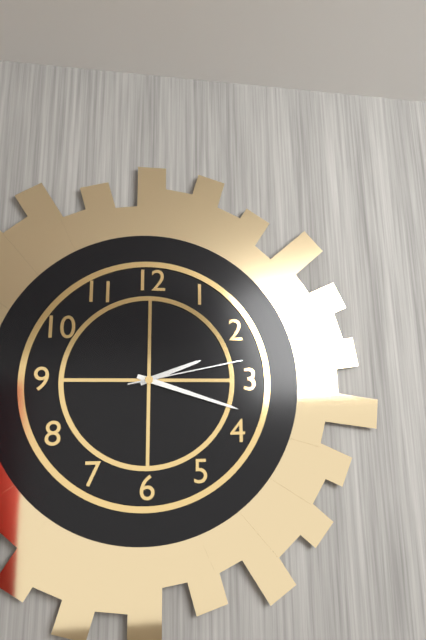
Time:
{"hour": 2, "minute": 18, "second": 13}
